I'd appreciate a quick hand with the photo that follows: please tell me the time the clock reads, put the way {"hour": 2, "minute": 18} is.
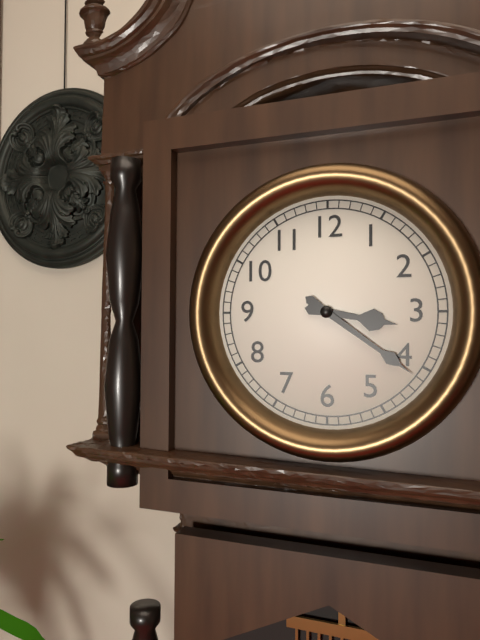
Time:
{"hour": 3, "minute": 21}
